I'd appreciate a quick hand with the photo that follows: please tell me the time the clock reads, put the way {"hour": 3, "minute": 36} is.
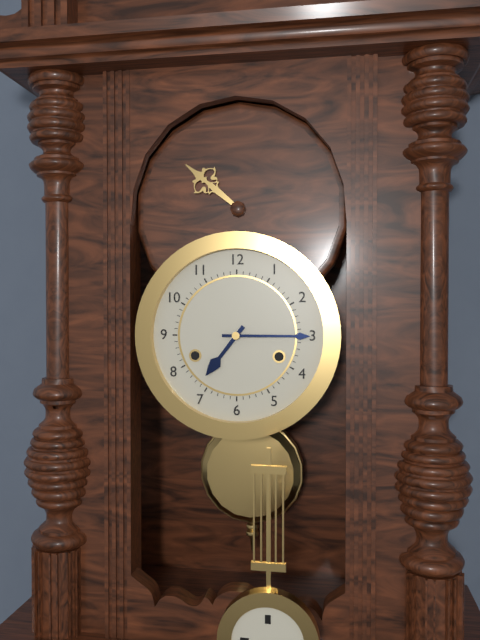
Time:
{"hour": 7, "minute": 15}
